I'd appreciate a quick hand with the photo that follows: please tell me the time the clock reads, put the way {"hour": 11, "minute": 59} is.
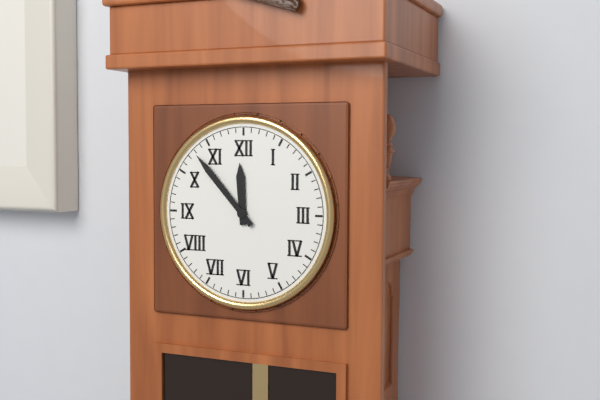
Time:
{"hour": 11, "minute": 53}
